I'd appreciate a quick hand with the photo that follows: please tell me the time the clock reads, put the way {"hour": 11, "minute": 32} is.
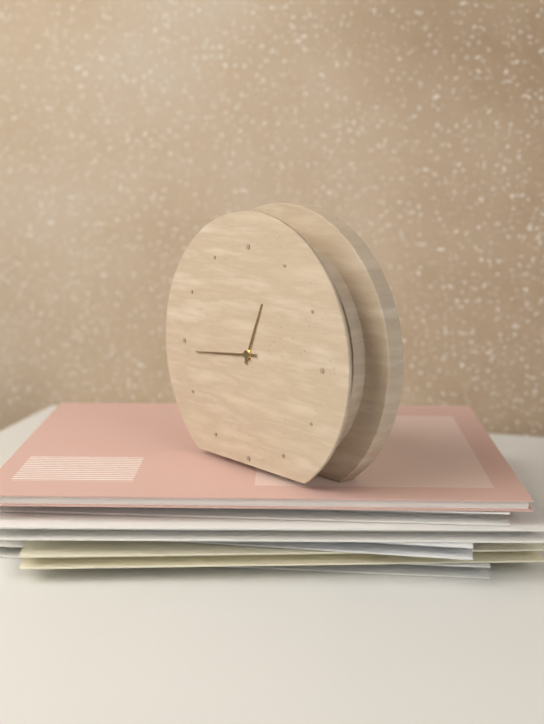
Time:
{"hour": 12, "minute": 44}
